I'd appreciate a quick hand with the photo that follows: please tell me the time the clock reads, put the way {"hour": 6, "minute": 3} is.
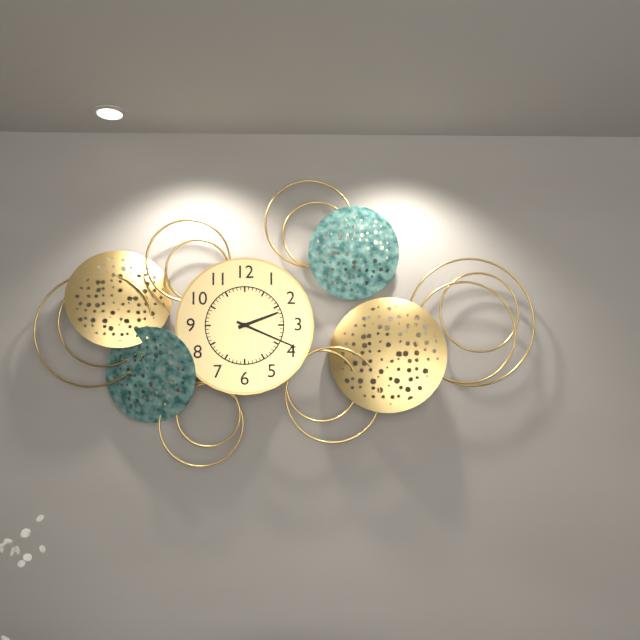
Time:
{"hour": 2, "minute": 19}
